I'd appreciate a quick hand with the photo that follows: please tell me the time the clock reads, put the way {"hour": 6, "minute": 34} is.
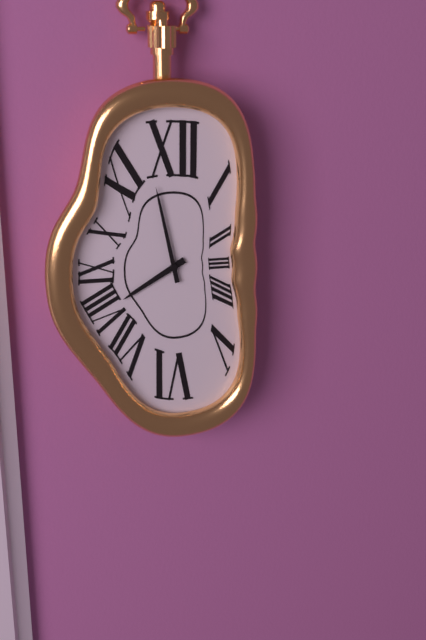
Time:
{"hour": 7, "minute": 58}
